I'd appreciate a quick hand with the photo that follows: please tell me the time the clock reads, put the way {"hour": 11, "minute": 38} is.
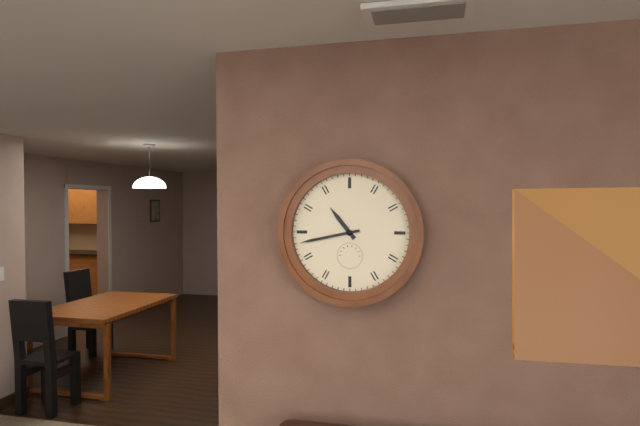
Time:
{"hour": 10, "minute": 43}
